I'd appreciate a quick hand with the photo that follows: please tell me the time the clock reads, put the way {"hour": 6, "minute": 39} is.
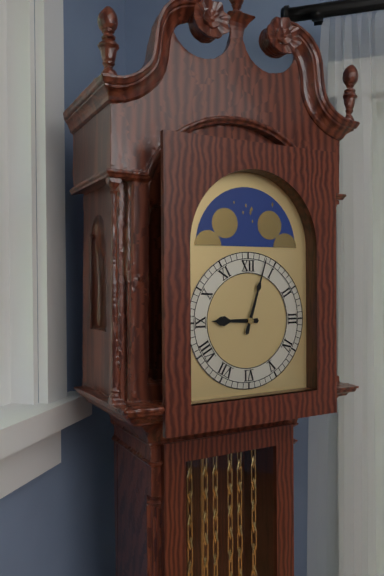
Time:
{"hour": 9, "minute": 3}
